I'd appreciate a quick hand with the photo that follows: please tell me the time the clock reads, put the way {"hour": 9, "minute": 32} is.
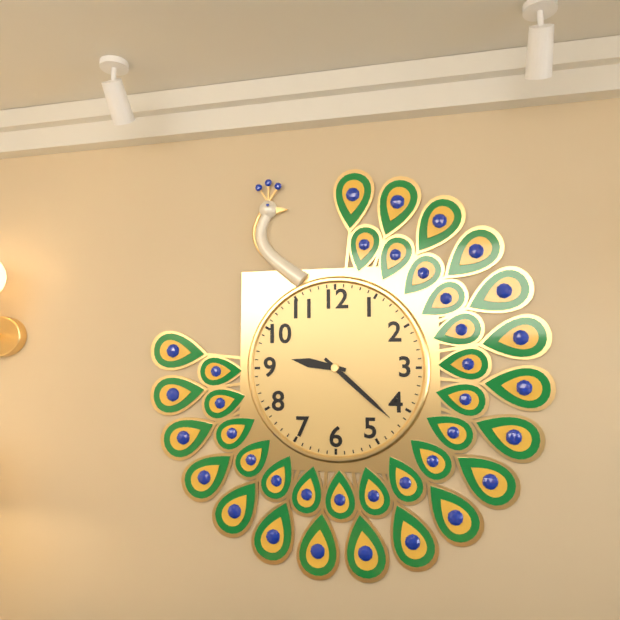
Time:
{"hour": 9, "minute": 22}
